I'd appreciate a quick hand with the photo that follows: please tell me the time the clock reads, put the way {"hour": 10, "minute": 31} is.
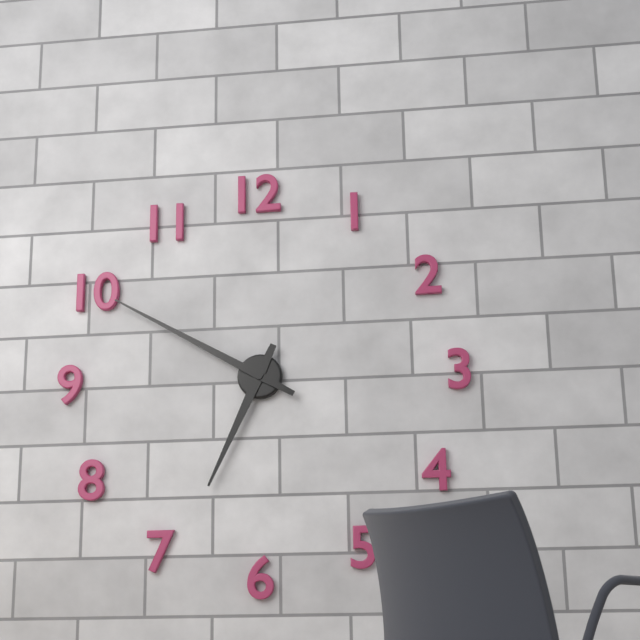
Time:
{"hour": 6, "minute": 50}
